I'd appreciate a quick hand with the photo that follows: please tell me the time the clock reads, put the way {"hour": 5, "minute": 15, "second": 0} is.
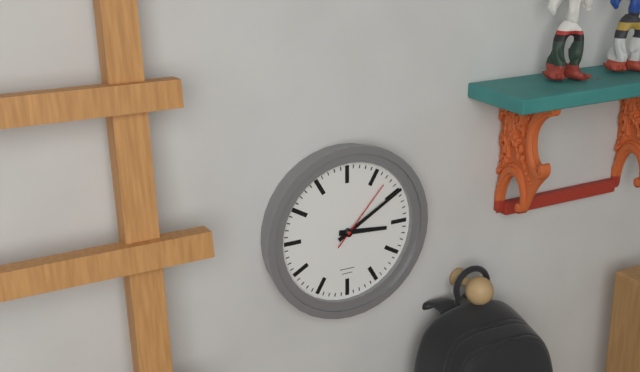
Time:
{"hour": 3, "minute": 10, "second": 7}
